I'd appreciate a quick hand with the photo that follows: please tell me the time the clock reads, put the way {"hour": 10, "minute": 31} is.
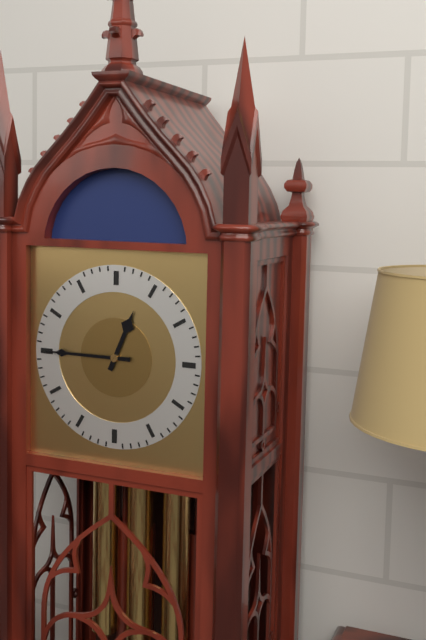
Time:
{"hour": 12, "minute": 45}
